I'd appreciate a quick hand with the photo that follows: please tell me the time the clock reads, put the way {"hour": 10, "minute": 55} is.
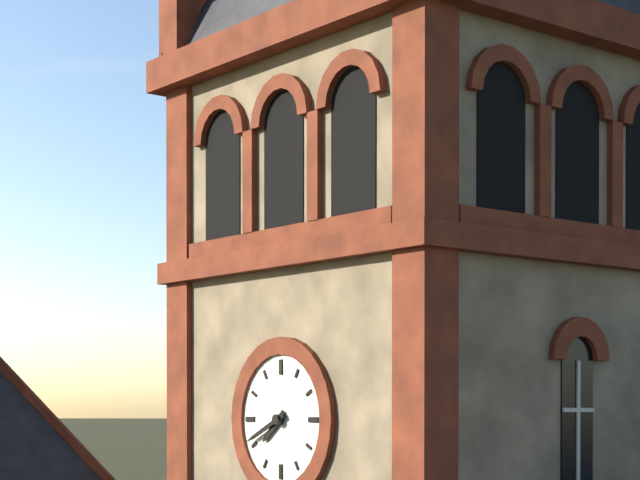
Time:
{"hour": 7, "minute": 41}
